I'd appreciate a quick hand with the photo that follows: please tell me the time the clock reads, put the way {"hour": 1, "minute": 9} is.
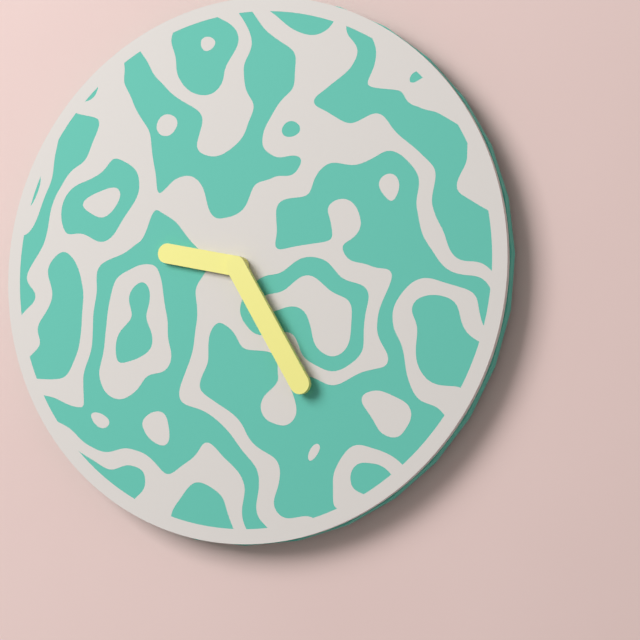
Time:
{"hour": 9, "minute": 25}
